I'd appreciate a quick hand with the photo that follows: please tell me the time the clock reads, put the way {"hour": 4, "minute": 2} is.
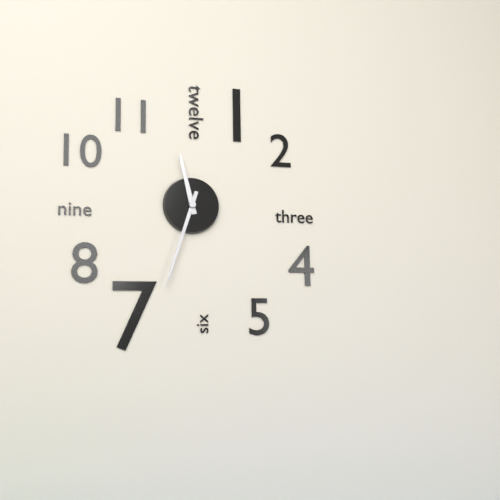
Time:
{"hour": 11, "minute": 33}
